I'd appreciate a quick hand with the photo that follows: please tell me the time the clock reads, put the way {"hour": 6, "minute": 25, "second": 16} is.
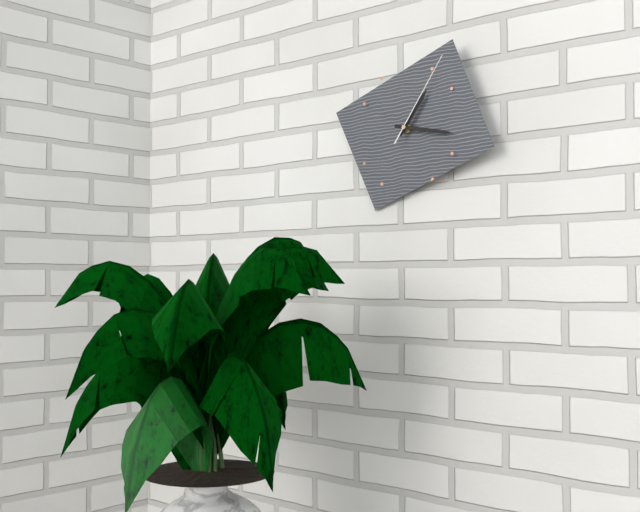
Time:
{"hour": 1, "minute": 17, "second": 6}
